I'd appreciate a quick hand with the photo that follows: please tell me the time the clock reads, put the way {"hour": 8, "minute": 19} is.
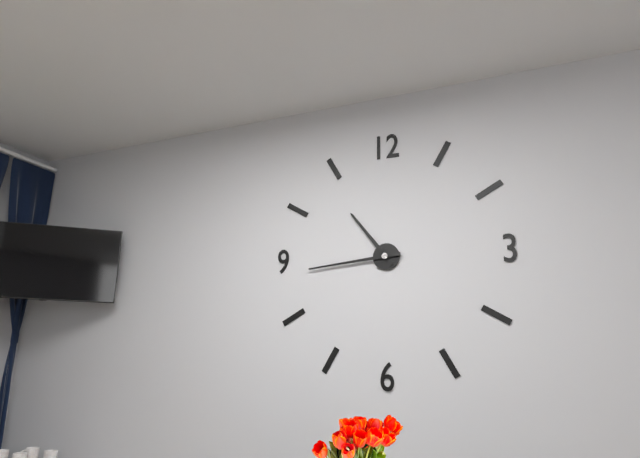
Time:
{"hour": 10, "minute": 44}
